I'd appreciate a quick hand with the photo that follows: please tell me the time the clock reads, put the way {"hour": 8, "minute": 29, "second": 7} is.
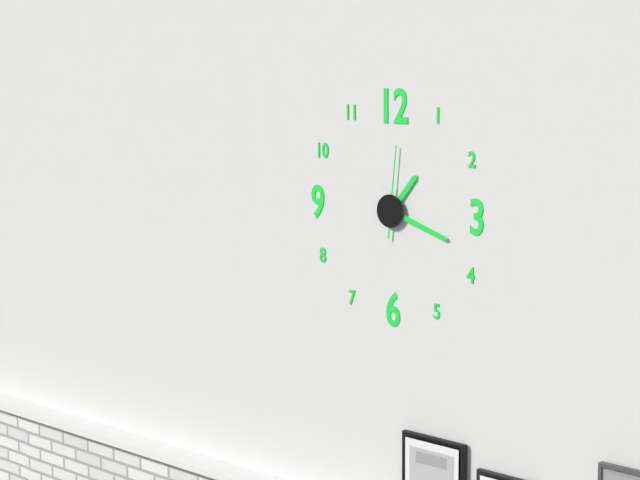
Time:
{"hour": 1, "minute": 18, "second": 1}
